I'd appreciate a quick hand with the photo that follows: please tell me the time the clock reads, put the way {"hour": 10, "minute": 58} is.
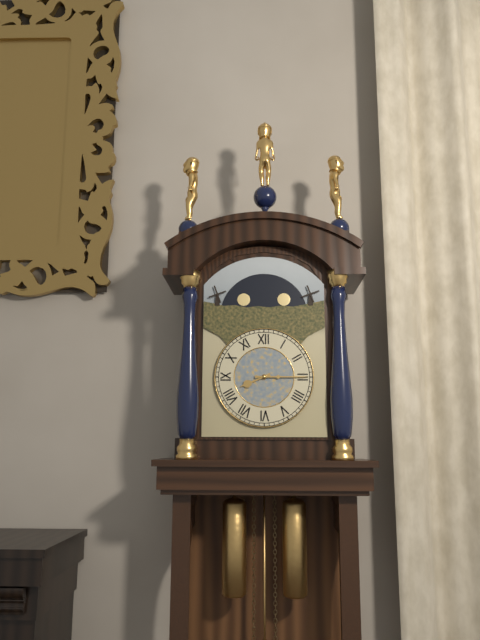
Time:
{"hour": 8, "minute": 15}
